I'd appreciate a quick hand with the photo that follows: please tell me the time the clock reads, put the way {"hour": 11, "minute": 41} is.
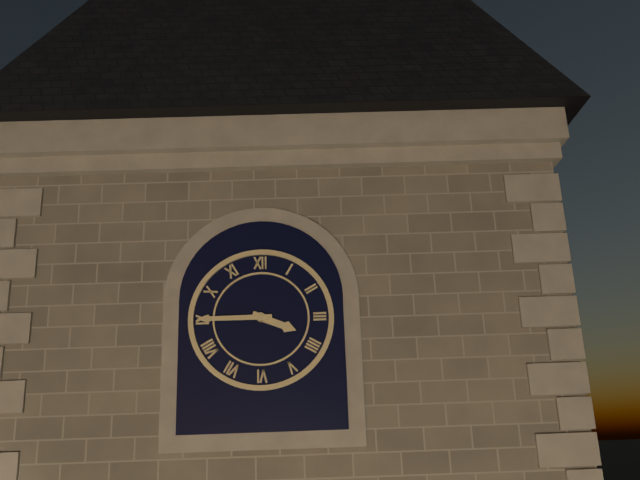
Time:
{"hour": 3, "minute": 45}
